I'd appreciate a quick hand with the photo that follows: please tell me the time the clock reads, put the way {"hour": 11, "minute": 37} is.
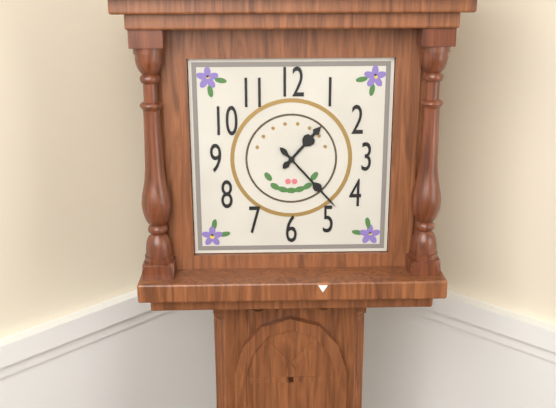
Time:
{"hour": 1, "minute": 23}
